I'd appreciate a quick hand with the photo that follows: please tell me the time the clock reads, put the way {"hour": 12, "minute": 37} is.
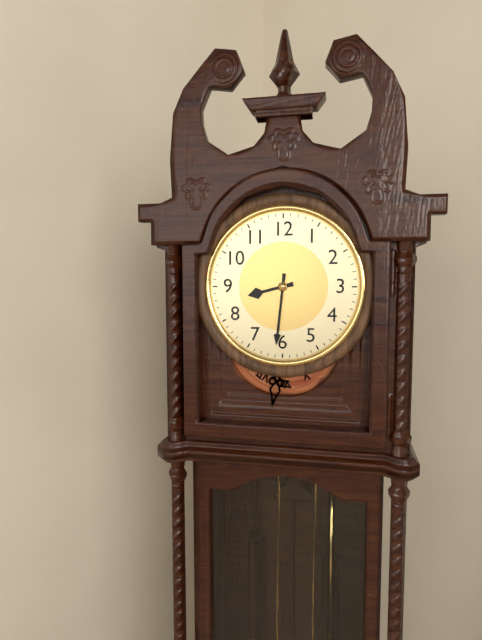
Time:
{"hour": 8, "minute": 31}
